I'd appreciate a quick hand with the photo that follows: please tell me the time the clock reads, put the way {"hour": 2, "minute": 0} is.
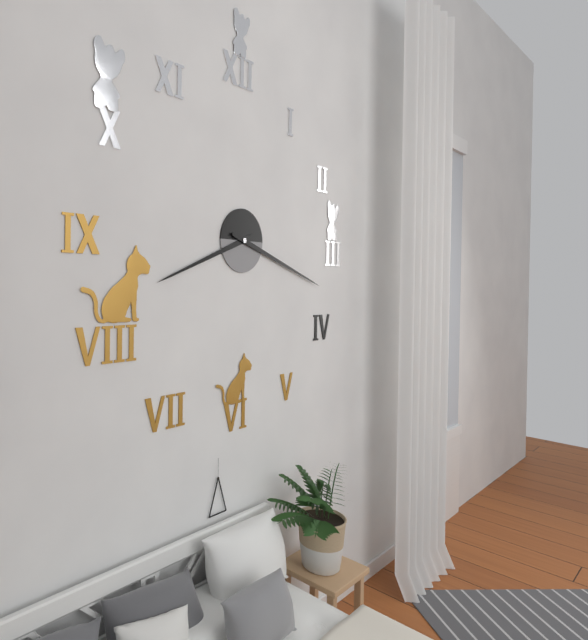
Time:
{"hour": 8, "minute": 18}
